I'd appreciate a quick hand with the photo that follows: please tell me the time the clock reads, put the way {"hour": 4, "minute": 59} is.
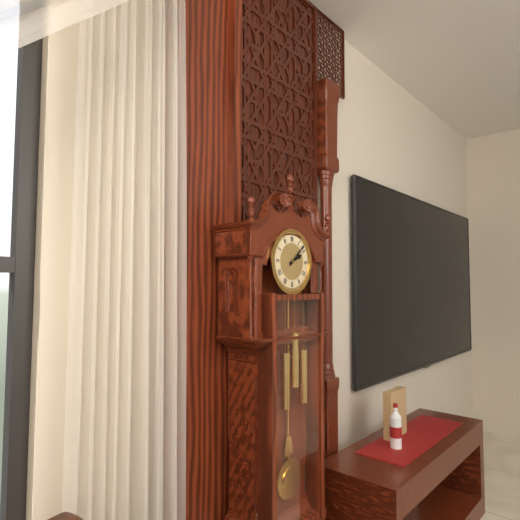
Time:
{"hour": 2, "minute": 8}
